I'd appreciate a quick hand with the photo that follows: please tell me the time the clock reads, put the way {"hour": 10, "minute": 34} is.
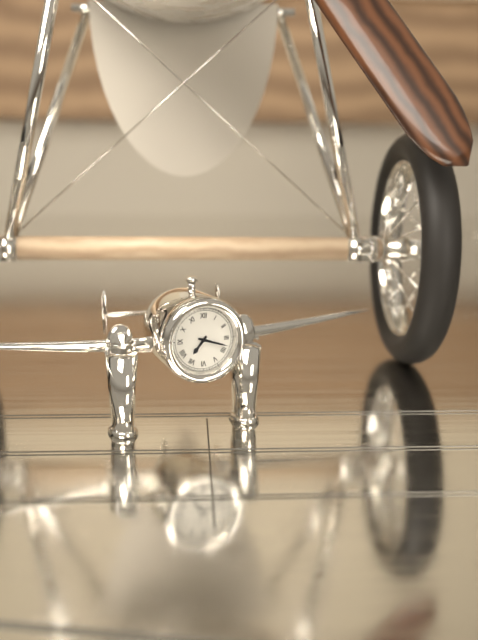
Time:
{"hour": 7, "minute": 18}
